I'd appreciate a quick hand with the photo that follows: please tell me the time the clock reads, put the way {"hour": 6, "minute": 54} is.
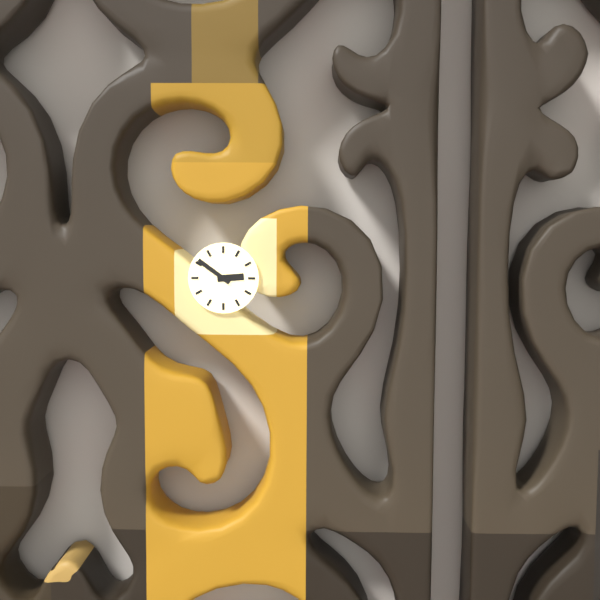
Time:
{"hour": 2, "minute": 51}
